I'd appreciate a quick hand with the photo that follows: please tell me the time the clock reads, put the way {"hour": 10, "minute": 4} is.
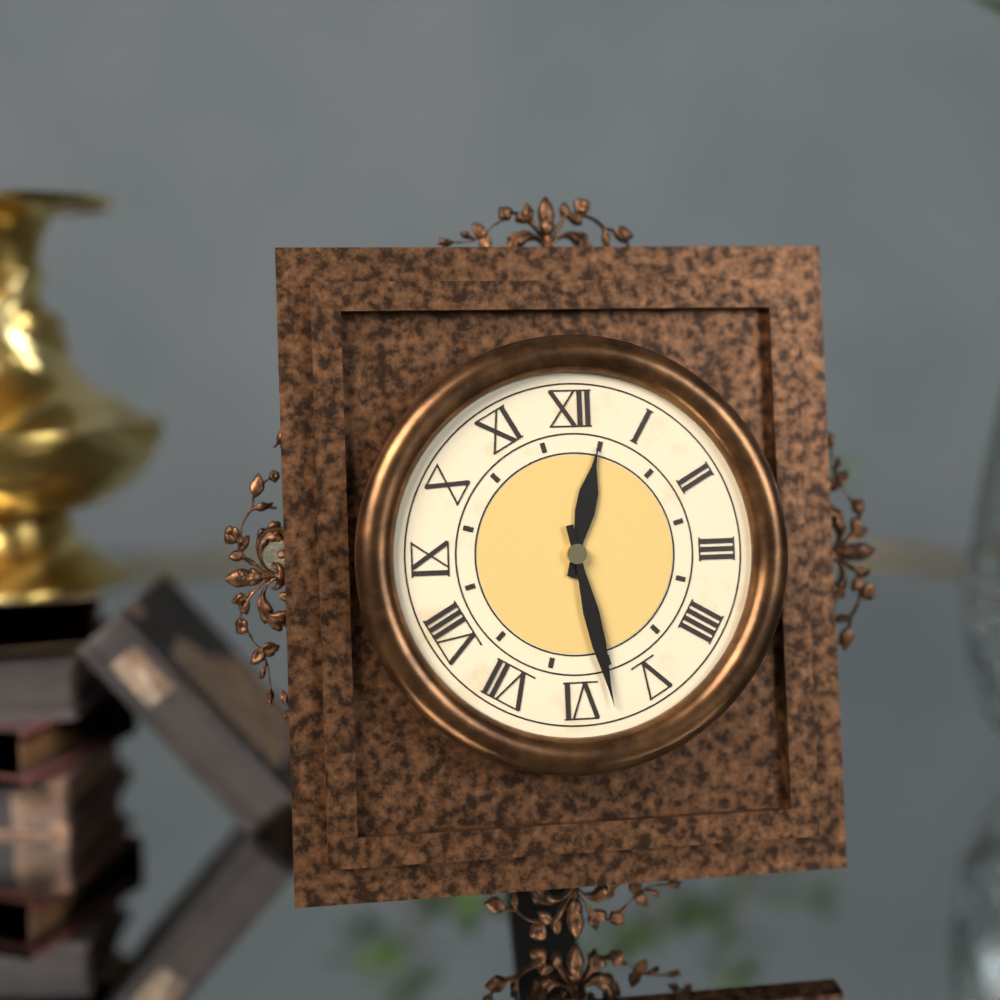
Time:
{"hour": 12, "minute": 28}
